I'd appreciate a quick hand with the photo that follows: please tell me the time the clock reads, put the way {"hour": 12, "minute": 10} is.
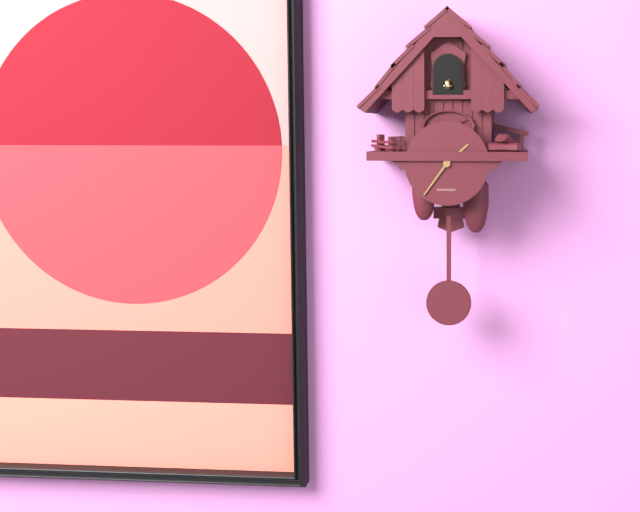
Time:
{"hour": 1, "minute": 36}
